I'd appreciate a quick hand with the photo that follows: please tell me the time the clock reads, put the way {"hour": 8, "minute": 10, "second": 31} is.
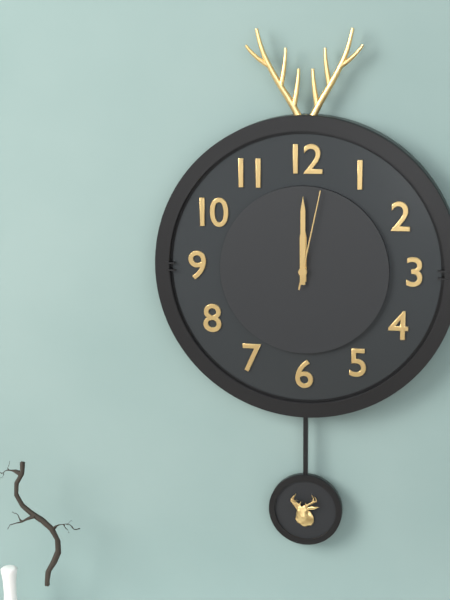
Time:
{"hour": 12, "minute": 0, "second": 2}
